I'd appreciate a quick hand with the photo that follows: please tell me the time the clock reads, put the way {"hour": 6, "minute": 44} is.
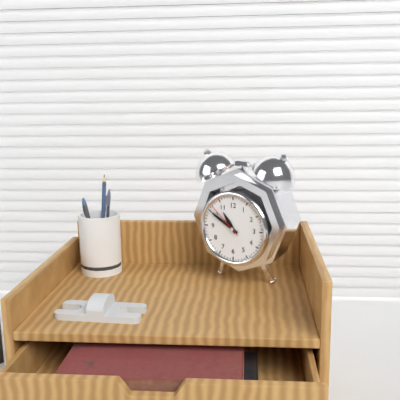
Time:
{"hour": 10, "minute": 50}
